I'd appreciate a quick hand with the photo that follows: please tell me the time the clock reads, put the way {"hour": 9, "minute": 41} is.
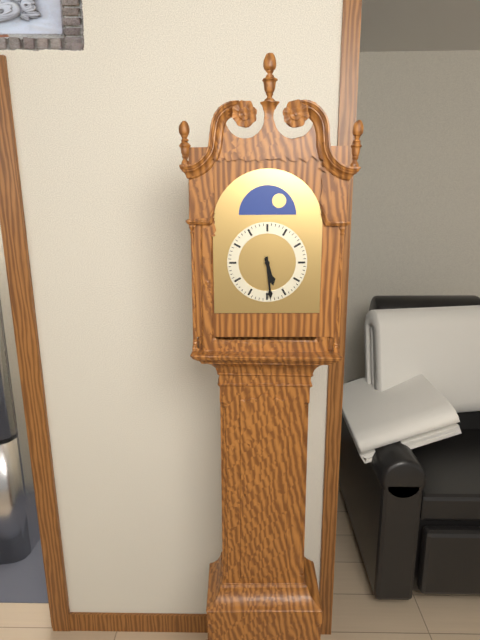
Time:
{"hour": 5, "minute": 29}
